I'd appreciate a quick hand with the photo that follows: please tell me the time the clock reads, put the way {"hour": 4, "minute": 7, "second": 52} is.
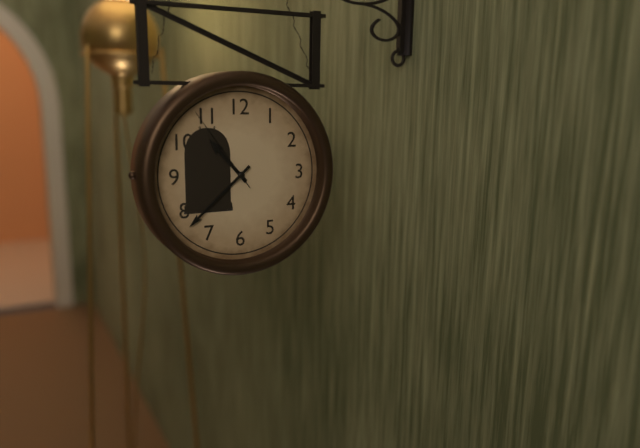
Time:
{"hour": 10, "minute": 38, "second": 54}
